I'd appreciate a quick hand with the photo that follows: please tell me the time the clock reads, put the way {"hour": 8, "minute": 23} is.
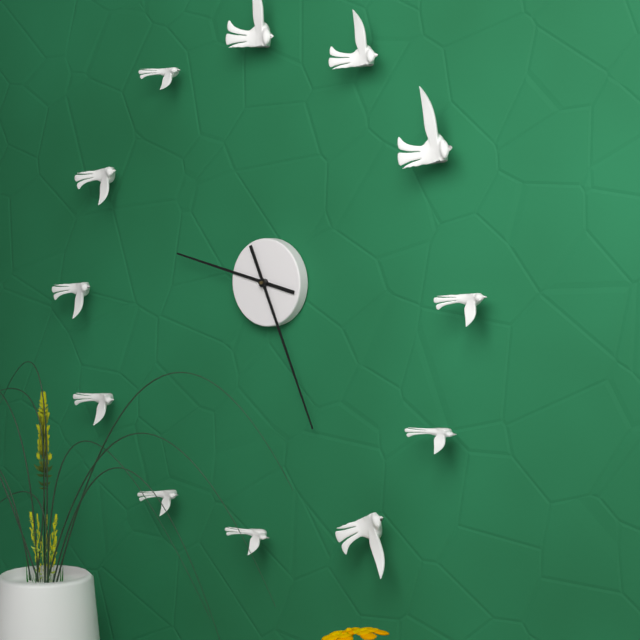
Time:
{"hour": 9, "minute": 26}
